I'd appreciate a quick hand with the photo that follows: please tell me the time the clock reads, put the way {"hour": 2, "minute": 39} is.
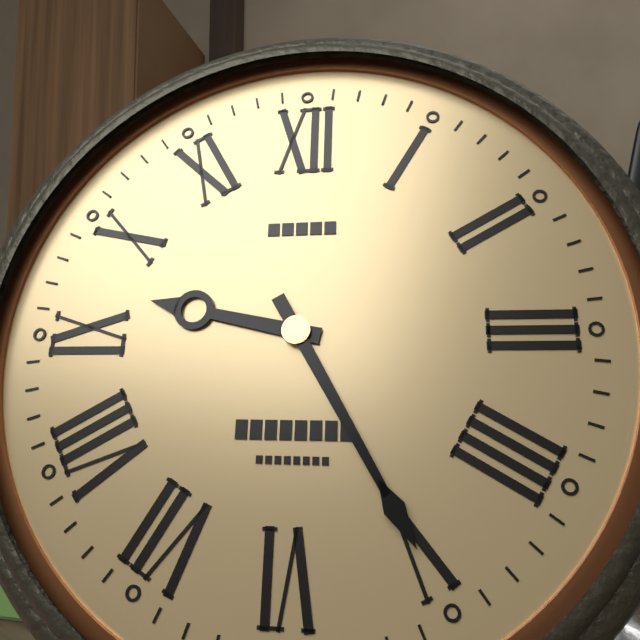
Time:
{"hour": 9, "minute": 25}
